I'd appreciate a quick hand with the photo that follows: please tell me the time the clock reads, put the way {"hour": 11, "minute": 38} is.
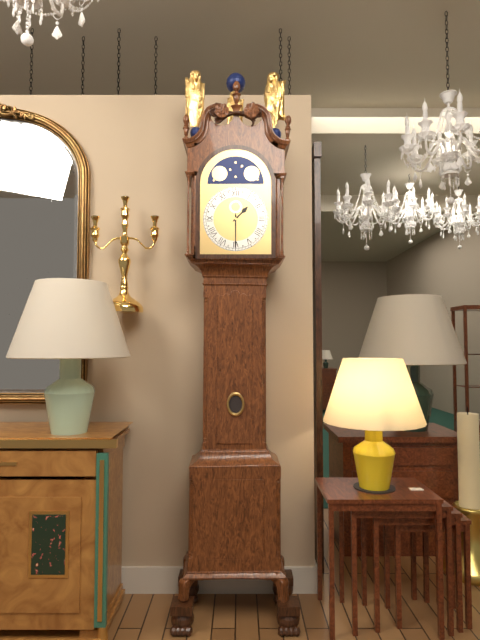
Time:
{"hour": 1, "minute": 30}
